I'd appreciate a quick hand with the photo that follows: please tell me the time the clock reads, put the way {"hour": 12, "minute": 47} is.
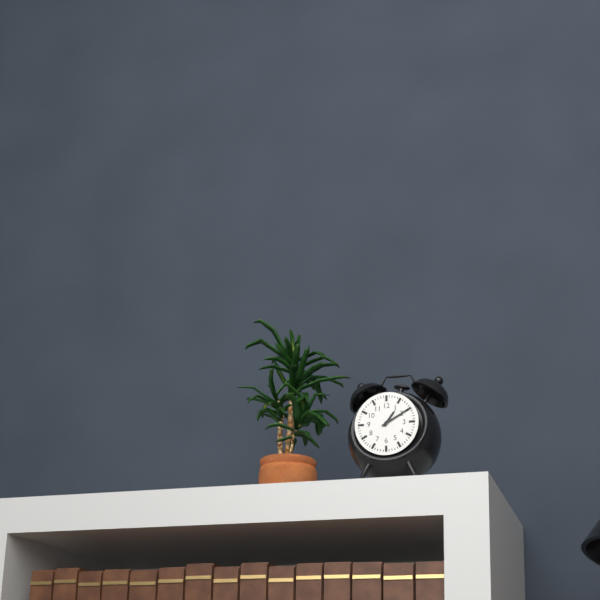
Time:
{"hour": 1, "minute": 10}
